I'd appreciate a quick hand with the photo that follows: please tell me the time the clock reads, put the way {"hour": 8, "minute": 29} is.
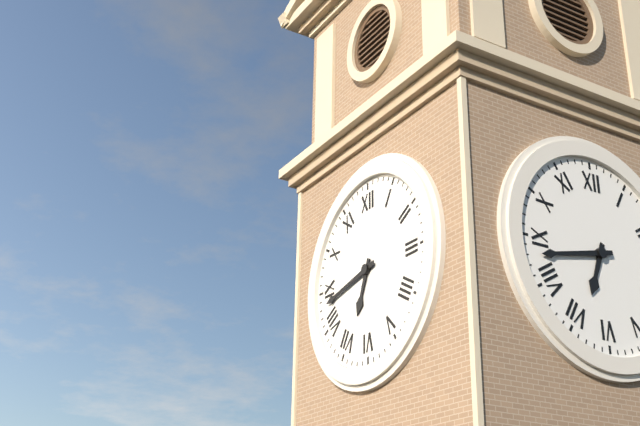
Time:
{"hour": 6, "minute": 43}
